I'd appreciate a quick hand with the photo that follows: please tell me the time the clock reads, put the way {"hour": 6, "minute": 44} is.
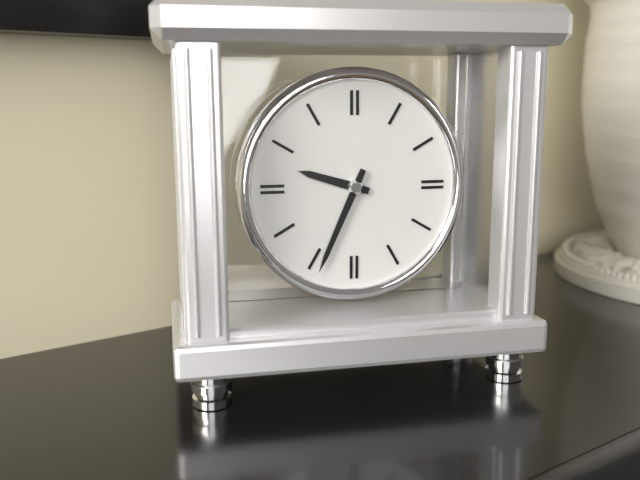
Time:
{"hour": 9, "minute": 34}
